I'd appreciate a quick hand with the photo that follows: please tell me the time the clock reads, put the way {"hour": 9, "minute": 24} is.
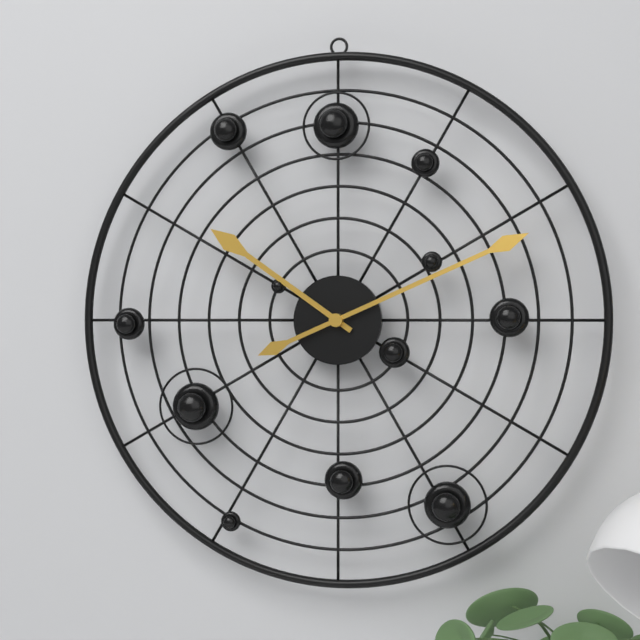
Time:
{"hour": 10, "minute": 11}
